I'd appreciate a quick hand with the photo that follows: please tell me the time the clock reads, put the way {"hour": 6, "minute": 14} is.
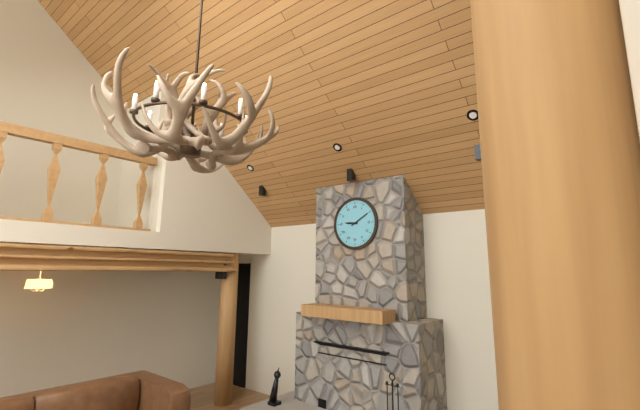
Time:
{"hour": 9, "minute": 10}
